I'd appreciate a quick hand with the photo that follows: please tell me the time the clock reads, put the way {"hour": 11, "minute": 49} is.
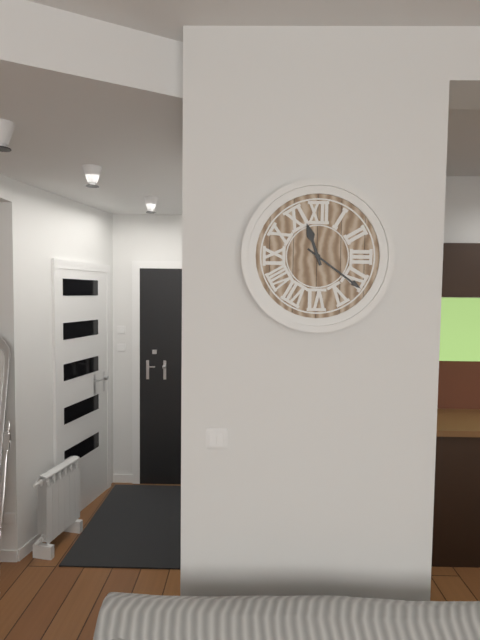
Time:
{"hour": 11, "minute": 21}
